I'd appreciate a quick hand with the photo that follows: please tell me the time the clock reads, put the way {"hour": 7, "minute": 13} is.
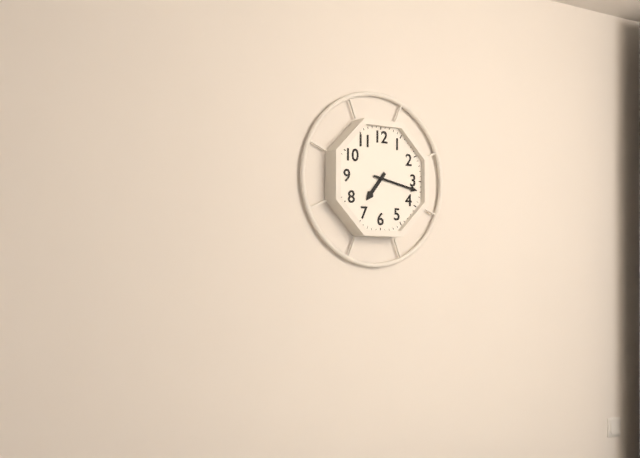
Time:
{"hour": 7, "minute": 17}
